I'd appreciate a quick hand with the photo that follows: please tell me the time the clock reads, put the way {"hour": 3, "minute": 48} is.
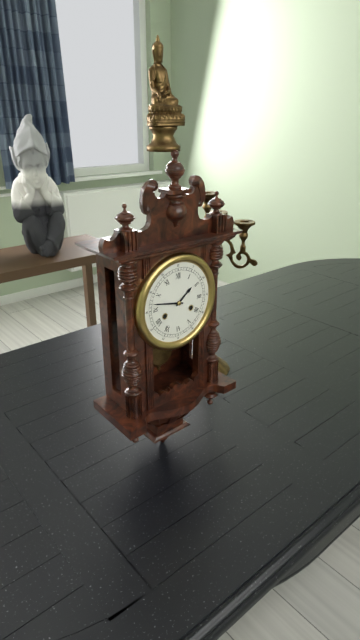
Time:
{"hour": 1, "minute": 47}
